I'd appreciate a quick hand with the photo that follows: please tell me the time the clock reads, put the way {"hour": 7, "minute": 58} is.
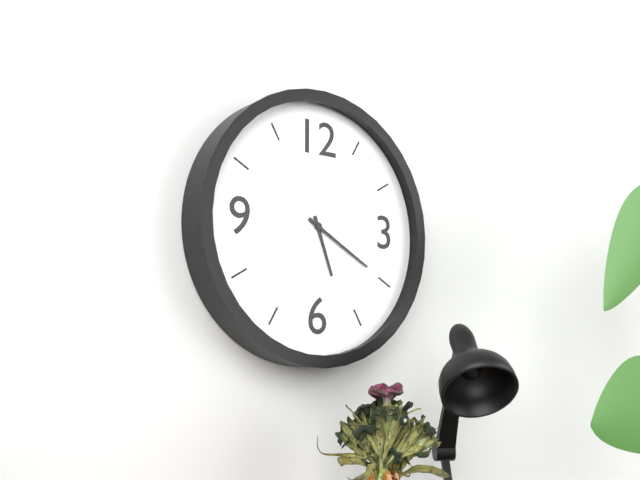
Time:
{"hour": 5, "minute": 20}
